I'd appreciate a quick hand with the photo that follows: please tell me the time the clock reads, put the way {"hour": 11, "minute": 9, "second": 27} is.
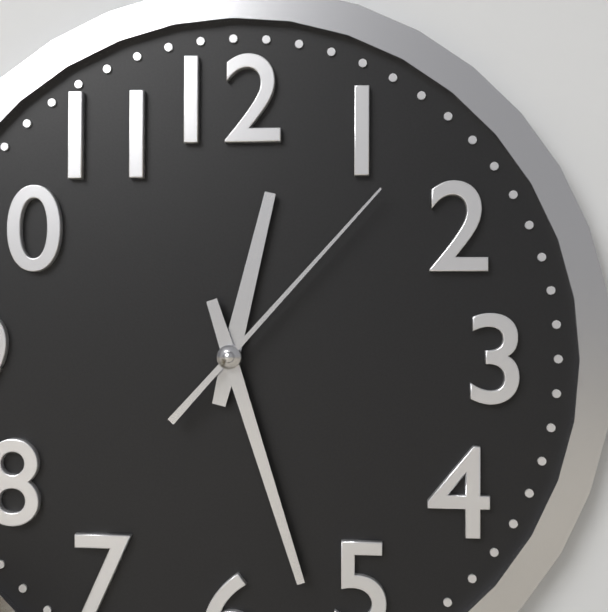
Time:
{"hour": 12, "minute": 27, "second": 7}
